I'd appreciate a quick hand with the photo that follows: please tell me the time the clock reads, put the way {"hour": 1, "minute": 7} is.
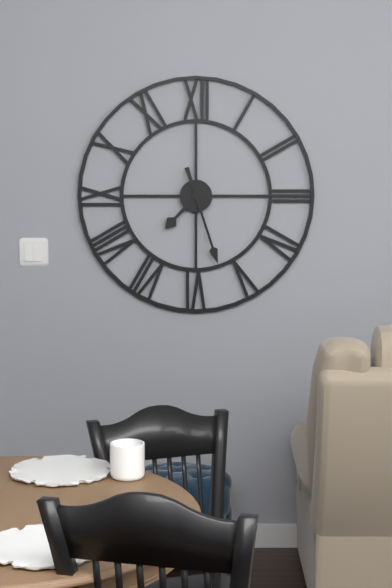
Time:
{"hour": 7, "minute": 27}
